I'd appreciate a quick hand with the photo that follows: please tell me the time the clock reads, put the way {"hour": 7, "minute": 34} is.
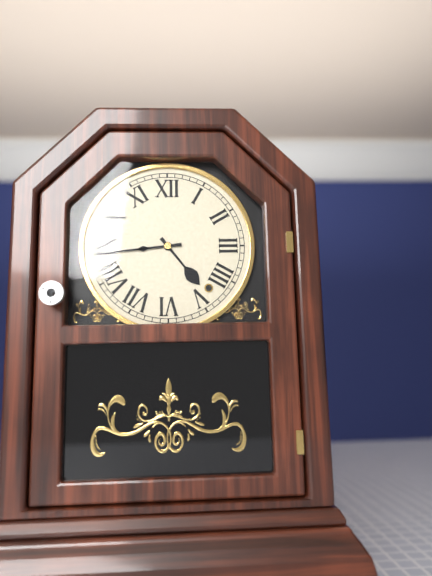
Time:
{"hour": 4, "minute": 44}
